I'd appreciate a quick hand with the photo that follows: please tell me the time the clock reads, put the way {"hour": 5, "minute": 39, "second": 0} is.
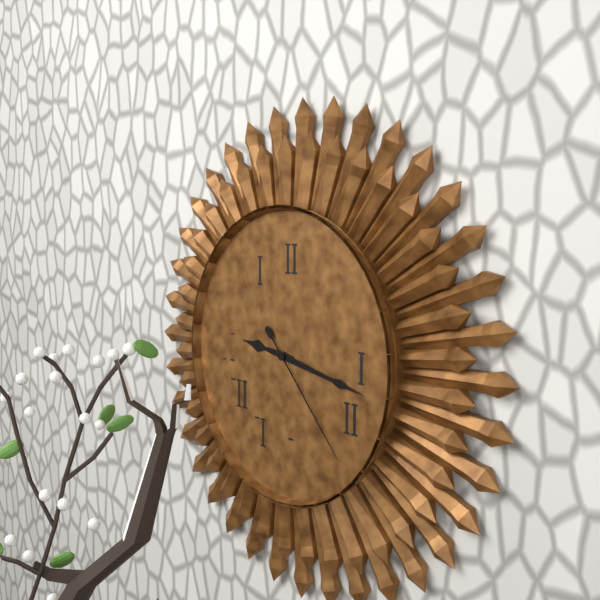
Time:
{"hour": 9, "minute": 17, "second": 23}
